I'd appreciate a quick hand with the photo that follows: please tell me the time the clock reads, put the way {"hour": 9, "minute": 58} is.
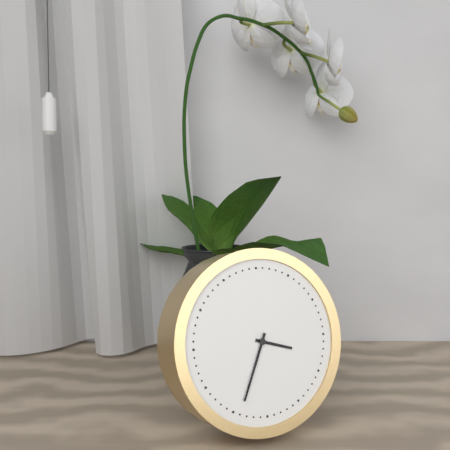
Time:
{"hour": 3, "minute": 34}
